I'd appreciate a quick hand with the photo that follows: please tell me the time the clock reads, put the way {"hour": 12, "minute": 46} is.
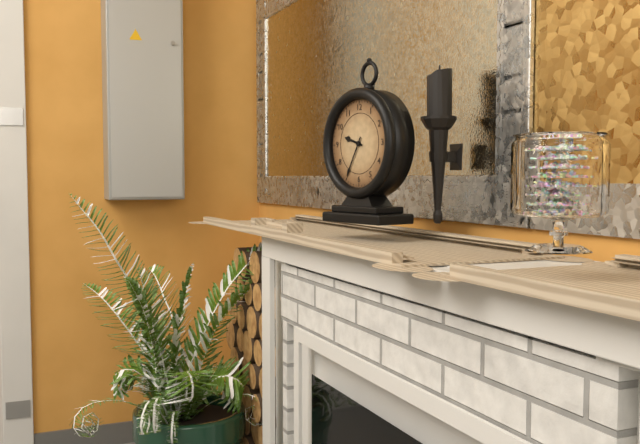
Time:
{"hour": 9, "minute": 35}
